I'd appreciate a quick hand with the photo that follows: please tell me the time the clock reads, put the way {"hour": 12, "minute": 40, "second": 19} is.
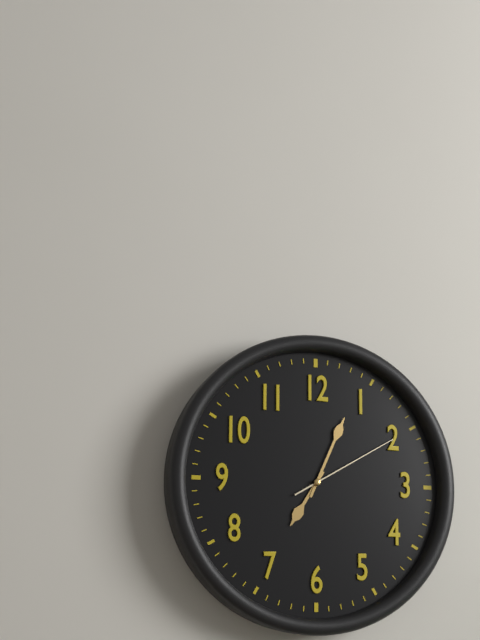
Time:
{"hour": 7, "minute": 4, "second": 10}
